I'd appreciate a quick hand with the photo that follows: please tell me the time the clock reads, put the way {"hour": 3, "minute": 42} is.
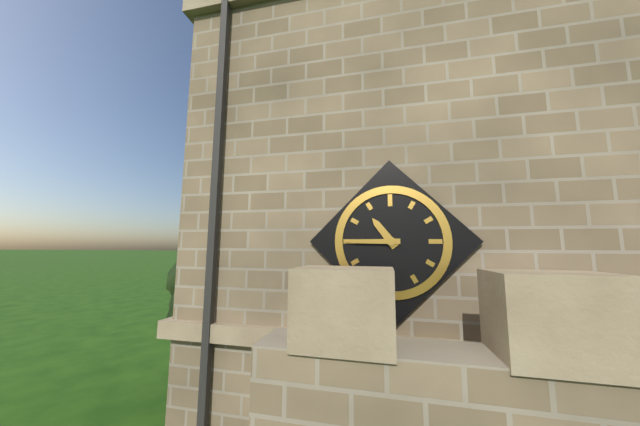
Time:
{"hour": 10, "minute": 45}
